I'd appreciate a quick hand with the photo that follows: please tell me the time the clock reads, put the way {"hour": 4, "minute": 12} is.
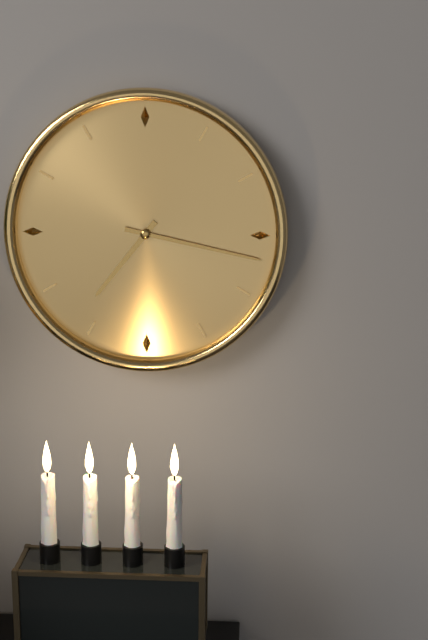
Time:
{"hour": 7, "minute": 17}
